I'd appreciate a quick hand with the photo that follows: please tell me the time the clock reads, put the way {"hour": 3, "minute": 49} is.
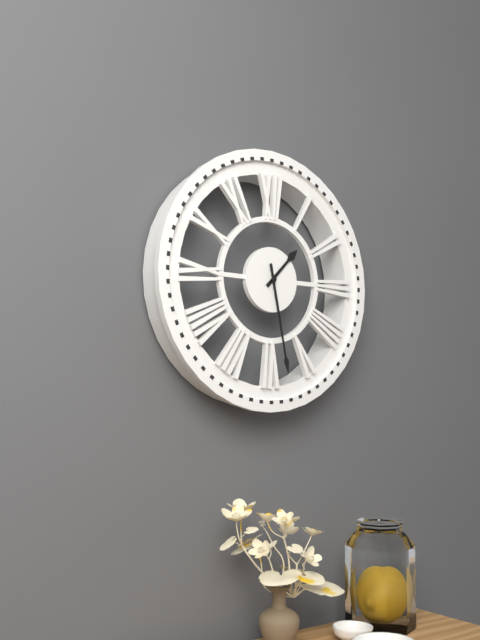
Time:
{"hour": 1, "minute": 28}
